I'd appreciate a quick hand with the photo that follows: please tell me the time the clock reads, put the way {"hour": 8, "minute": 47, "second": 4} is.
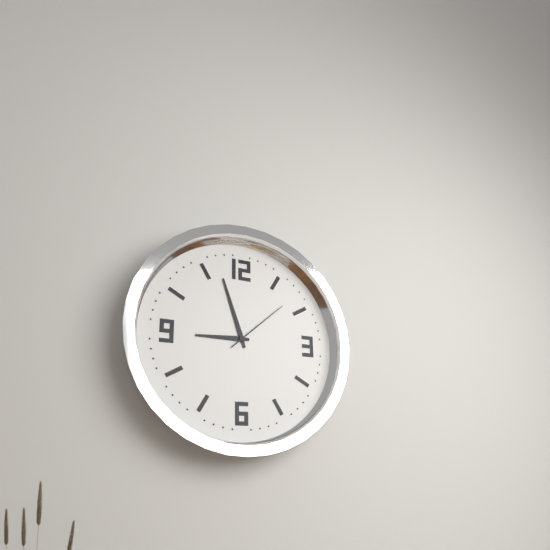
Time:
{"hour": 8, "minute": 57, "second": 8}
